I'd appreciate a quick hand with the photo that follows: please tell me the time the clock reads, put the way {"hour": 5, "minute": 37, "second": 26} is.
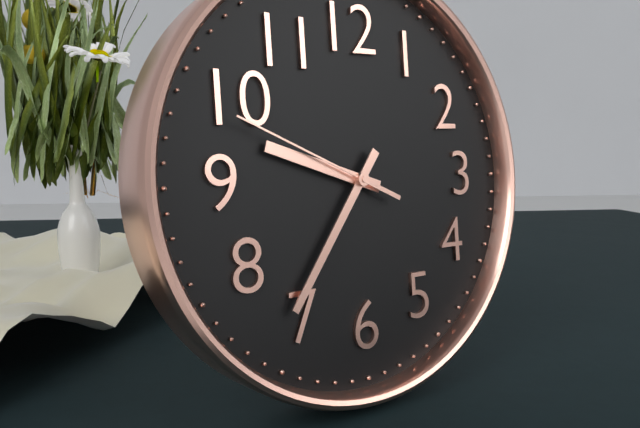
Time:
{"hour": 9, "minute": 36, "second": 49}
